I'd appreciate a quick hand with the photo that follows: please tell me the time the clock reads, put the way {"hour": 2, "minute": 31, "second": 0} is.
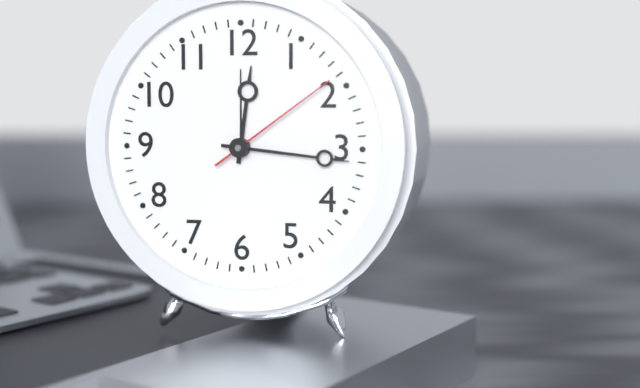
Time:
{"hour": 12, "minute": 16, "second": 9}
